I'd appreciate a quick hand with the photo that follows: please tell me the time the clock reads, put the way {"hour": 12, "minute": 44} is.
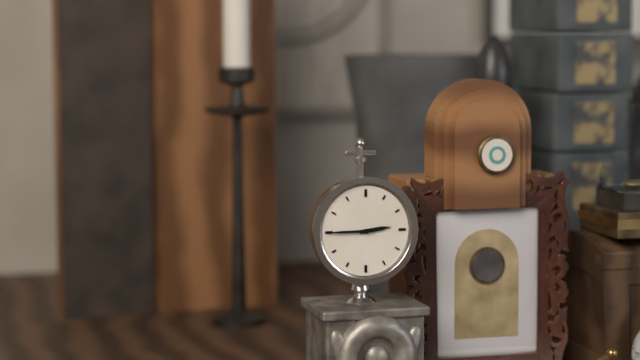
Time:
{"hour": 2, "minute": 45}
